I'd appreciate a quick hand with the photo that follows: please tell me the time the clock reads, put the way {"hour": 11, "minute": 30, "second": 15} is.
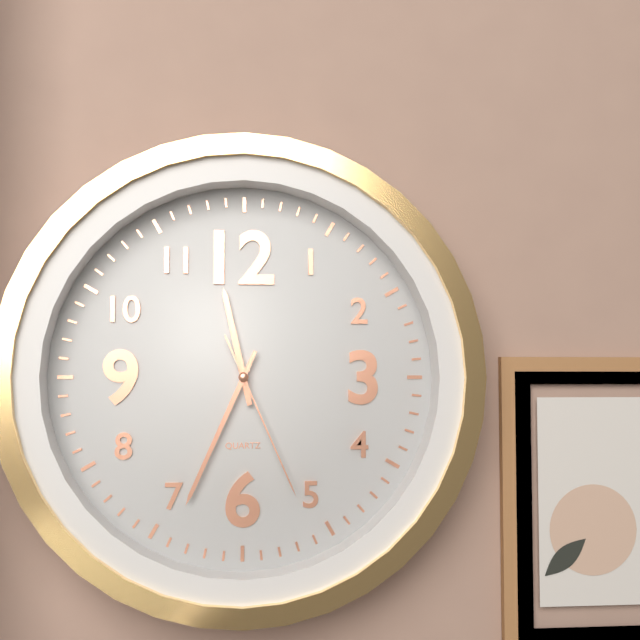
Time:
{"hour": 11, "minute": 34, "second": 26}
